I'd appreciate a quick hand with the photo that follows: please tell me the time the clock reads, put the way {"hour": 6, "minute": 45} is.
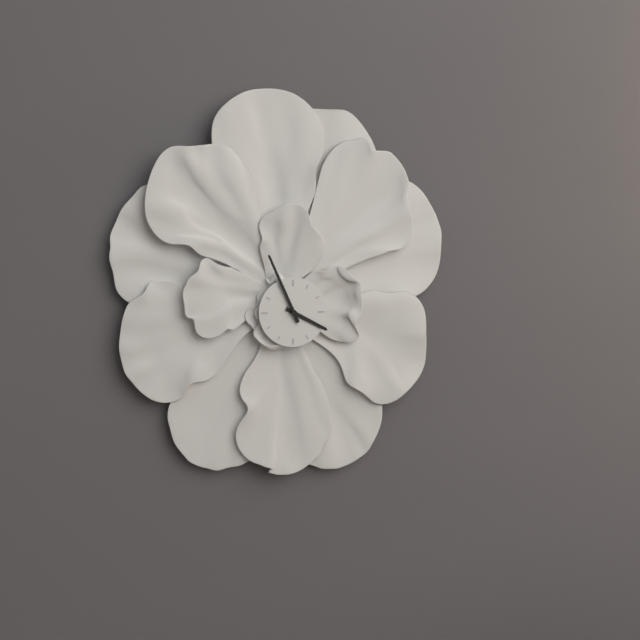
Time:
{"hour": 3, "minute": 56}
